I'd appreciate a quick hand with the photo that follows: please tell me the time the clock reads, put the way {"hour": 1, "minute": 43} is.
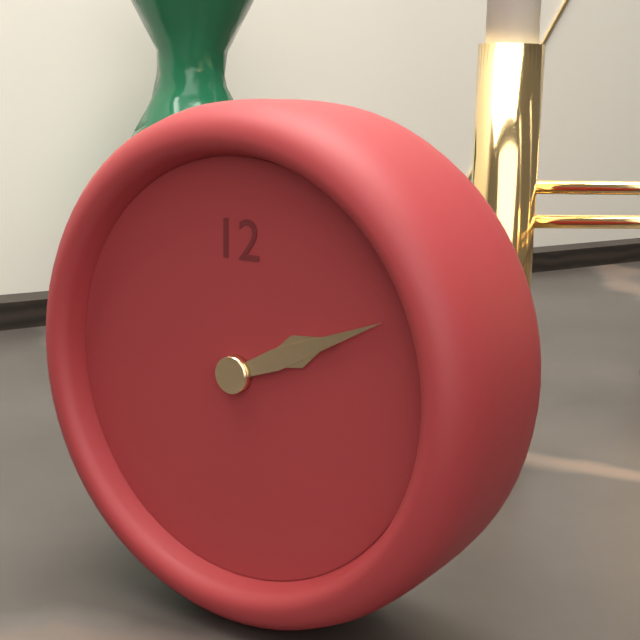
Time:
{"hour": 2, "minute": 11}
